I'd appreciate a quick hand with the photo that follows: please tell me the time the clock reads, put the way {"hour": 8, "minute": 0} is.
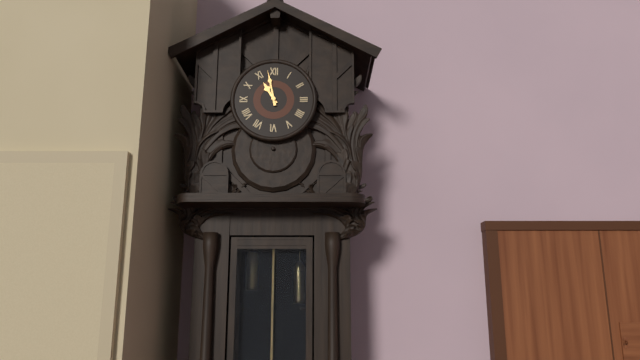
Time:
{"hour": 10, "minute": 58}
